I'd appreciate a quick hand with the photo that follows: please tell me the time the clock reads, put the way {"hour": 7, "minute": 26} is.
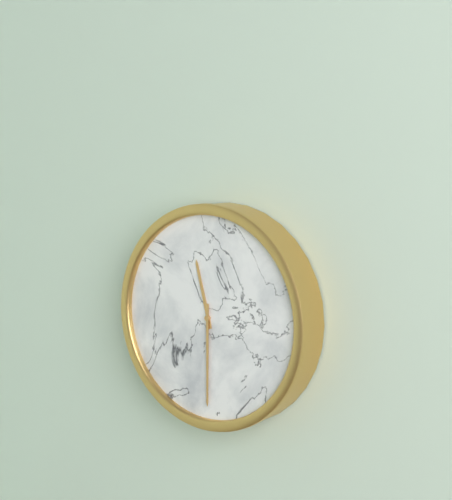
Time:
{"hour": 11, "minute": 30}
